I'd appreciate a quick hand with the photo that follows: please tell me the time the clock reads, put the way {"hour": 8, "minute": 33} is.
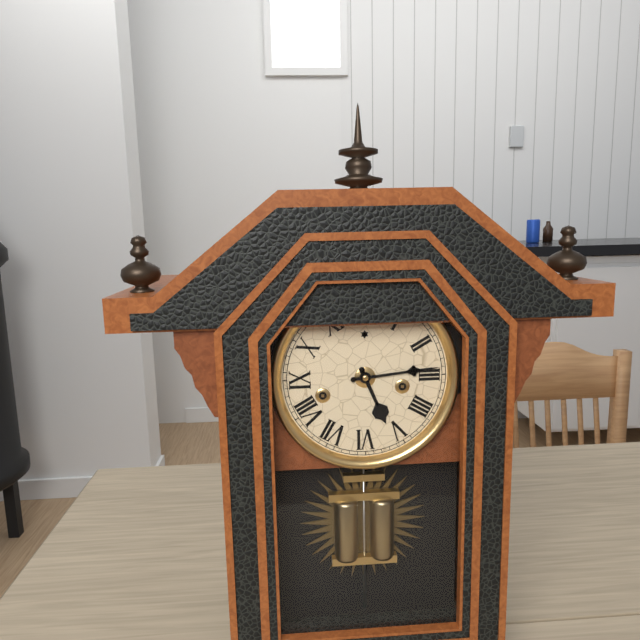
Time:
{"hour": 5, "minute": 14}
